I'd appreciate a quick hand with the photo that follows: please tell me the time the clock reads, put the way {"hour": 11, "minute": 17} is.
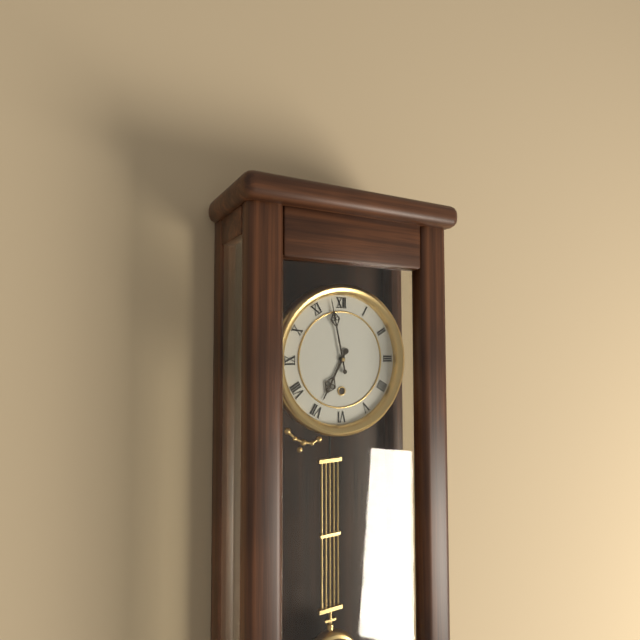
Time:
{"hour": 6, "minute": 58}
